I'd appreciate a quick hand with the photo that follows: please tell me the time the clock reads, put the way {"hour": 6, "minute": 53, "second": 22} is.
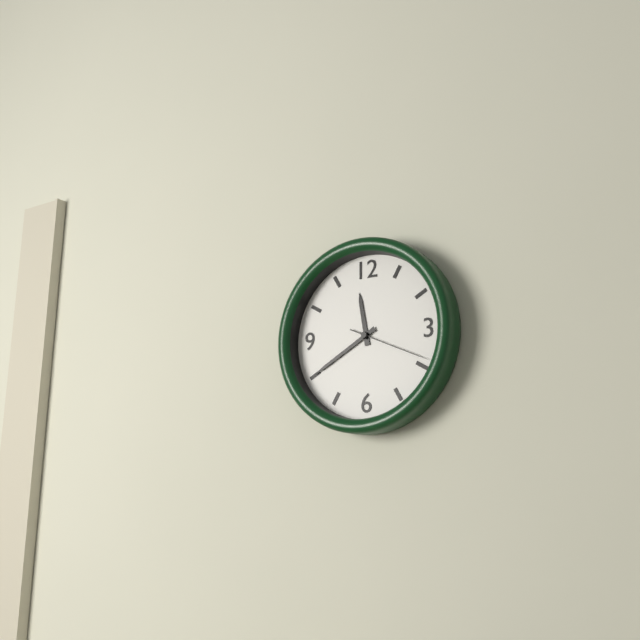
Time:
{"hour": 11, "minute": 40, "second": 19}
